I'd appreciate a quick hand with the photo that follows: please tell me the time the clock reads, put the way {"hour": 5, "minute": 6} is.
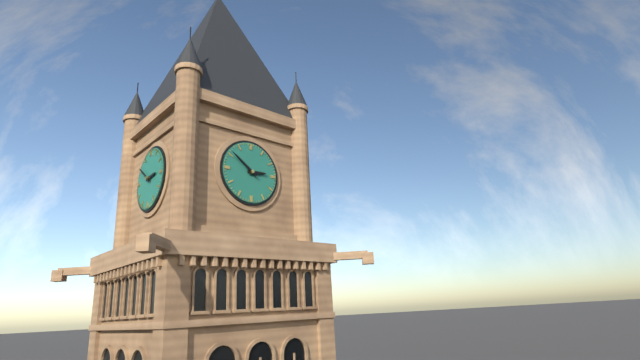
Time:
{"hour": 2, "minute": 51}
